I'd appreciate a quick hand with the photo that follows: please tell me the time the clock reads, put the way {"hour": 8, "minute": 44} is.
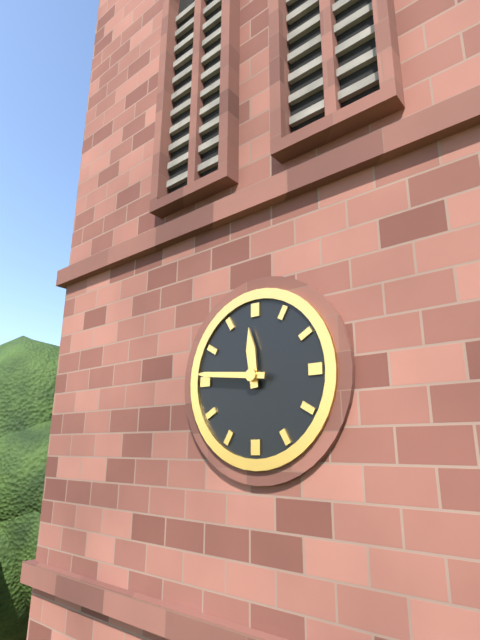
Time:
{"hour": 11, "minute": 46}
